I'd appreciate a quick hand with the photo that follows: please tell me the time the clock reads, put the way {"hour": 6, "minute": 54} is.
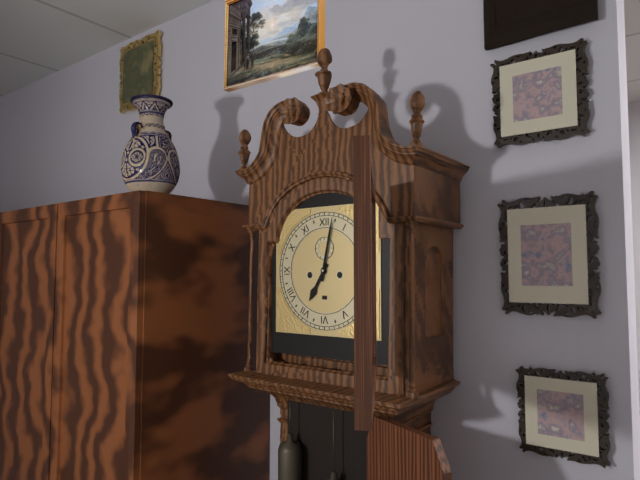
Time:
{"hour": 7, "minute": 2}
